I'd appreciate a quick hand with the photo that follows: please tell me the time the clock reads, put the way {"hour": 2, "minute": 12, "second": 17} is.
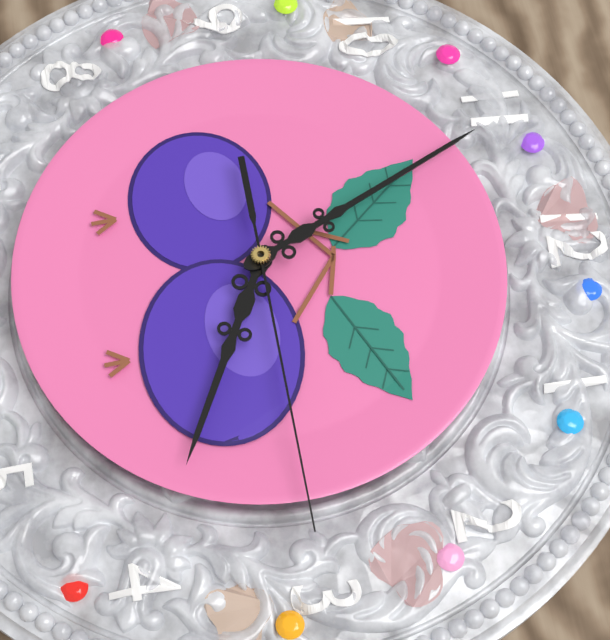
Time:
{"hour": 3, "minute": 56, "second": 15}
